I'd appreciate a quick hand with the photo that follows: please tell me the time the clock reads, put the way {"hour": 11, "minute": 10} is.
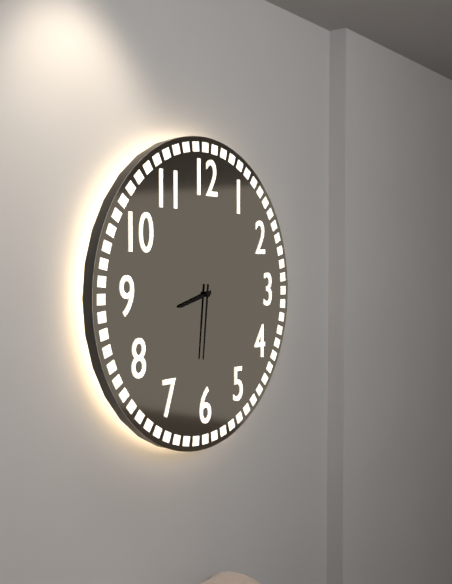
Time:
{"hour": 8, "minute": 31}
